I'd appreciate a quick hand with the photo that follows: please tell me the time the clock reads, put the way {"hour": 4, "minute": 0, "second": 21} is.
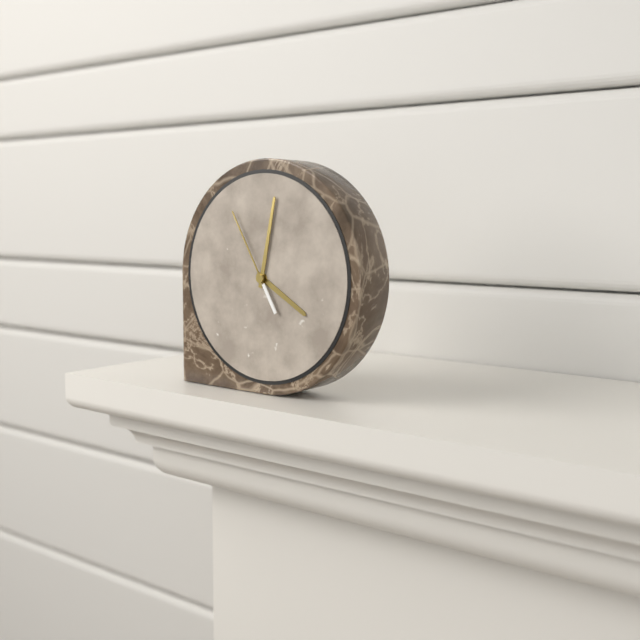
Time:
{"hour": 4, "minute": 2, "second": 55}
